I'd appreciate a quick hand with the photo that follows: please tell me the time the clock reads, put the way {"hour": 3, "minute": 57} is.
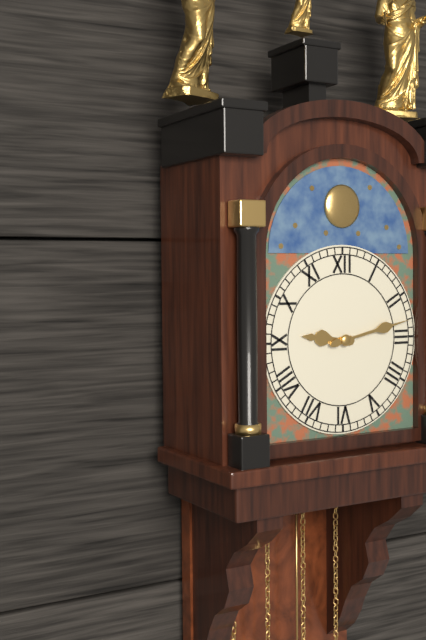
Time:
{"hour": 9, "minute": 13}
